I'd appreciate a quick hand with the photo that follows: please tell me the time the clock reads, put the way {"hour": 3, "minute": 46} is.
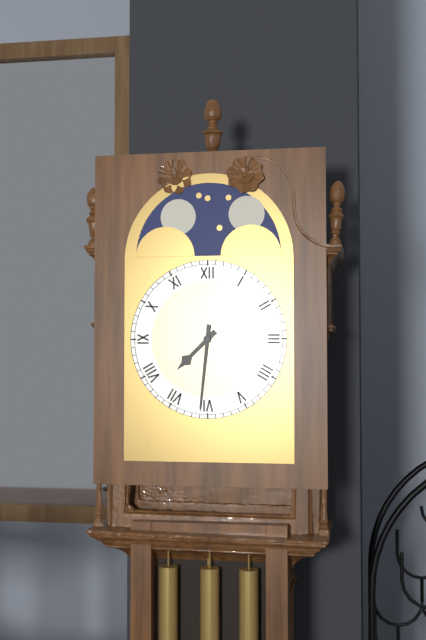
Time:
{"hour": 7, "minute": 31}
